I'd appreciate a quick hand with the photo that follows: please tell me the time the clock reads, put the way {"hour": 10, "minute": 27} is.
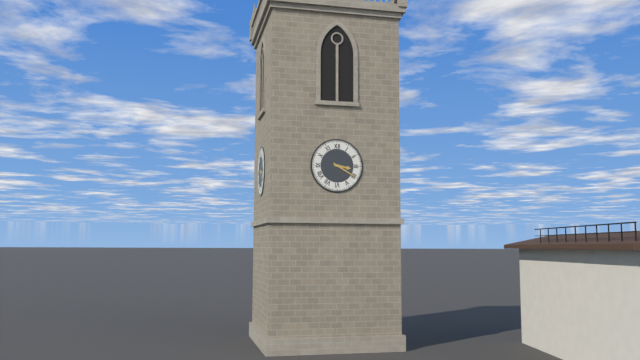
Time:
{"hour": 3, "minute": 20}
